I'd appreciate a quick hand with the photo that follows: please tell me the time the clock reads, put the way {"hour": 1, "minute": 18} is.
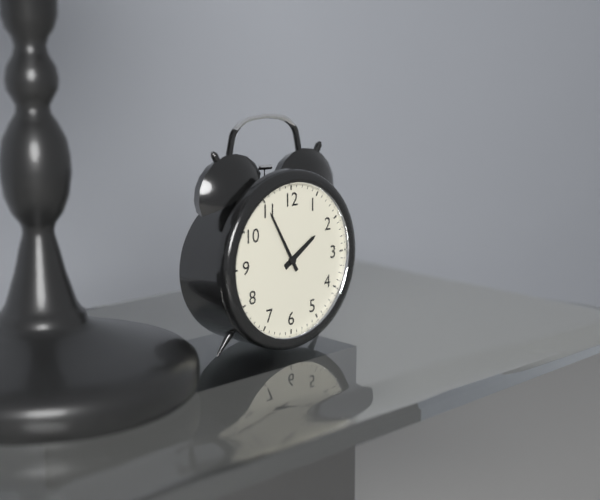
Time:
{"hour": 1, "minute": 55}
